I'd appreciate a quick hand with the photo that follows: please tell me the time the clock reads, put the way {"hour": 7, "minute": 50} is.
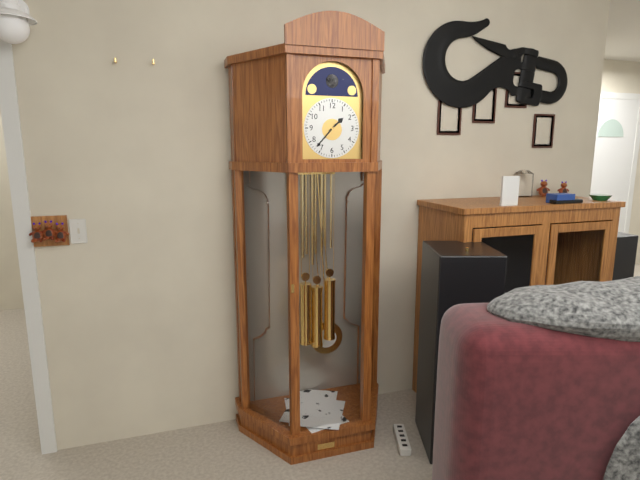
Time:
{"hour": 1, "minute": 37}
